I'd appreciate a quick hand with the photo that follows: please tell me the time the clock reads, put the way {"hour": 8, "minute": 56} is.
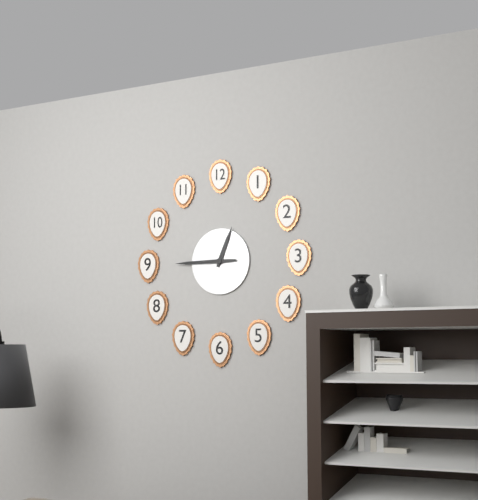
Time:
{"hour": 12, "minute": 45}
